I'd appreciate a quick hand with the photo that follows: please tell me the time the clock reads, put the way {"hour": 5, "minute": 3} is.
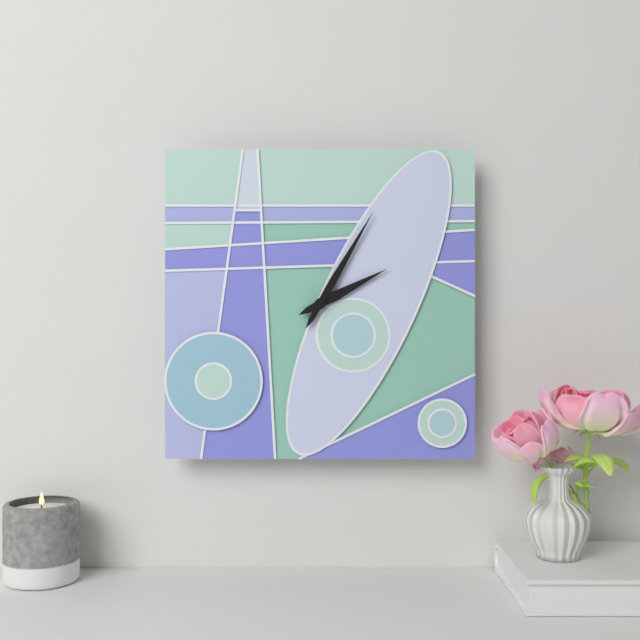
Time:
{"hour": 2, "minute": 5}
